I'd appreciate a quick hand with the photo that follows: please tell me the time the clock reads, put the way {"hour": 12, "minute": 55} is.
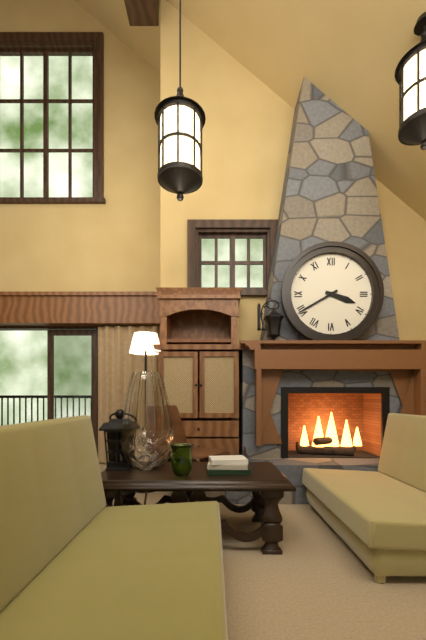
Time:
{"hour": 3, "minute": 40}
